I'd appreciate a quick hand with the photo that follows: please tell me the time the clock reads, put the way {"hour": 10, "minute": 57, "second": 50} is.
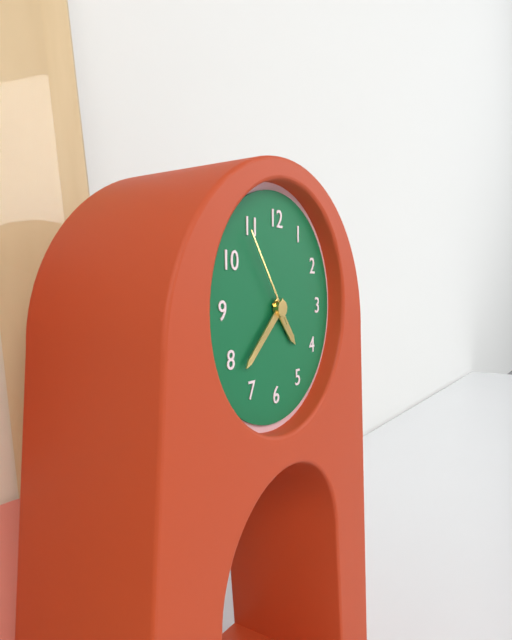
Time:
{"hour": 4, "minute": 38, "second": 54}
